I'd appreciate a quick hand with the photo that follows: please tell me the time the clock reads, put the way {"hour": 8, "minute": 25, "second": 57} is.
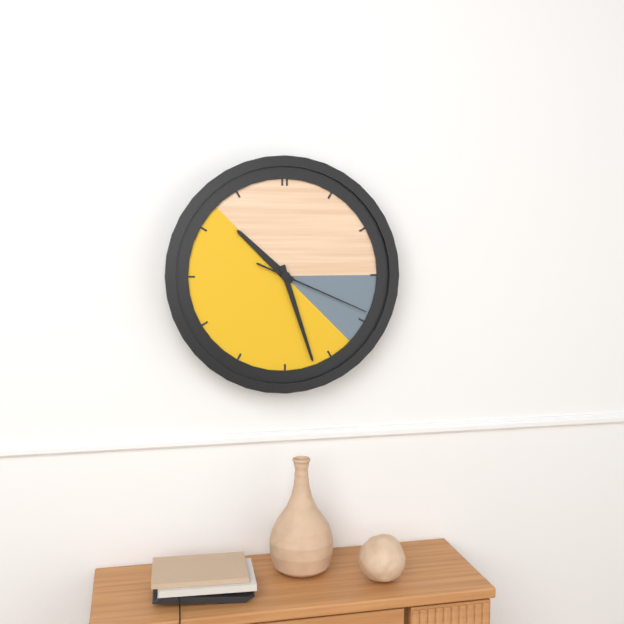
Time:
{"hour": 10, "minute": 27, "second": 19}
